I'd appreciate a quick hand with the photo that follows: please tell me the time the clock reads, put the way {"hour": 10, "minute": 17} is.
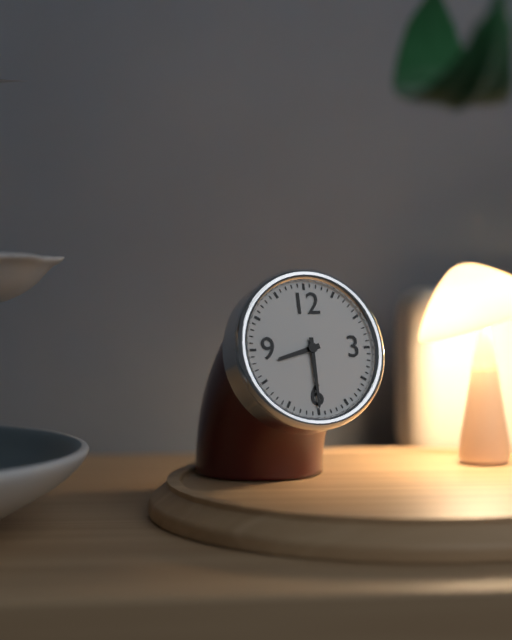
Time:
{"hour": 8, "minute": 30}
